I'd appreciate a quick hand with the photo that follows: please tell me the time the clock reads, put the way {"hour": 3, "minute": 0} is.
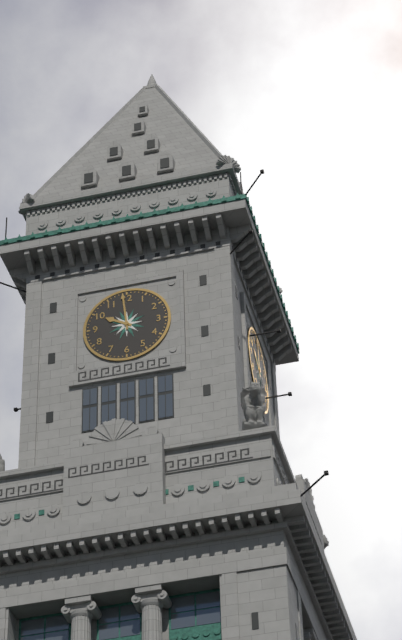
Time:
{"hour": 9, "minute": 59}
